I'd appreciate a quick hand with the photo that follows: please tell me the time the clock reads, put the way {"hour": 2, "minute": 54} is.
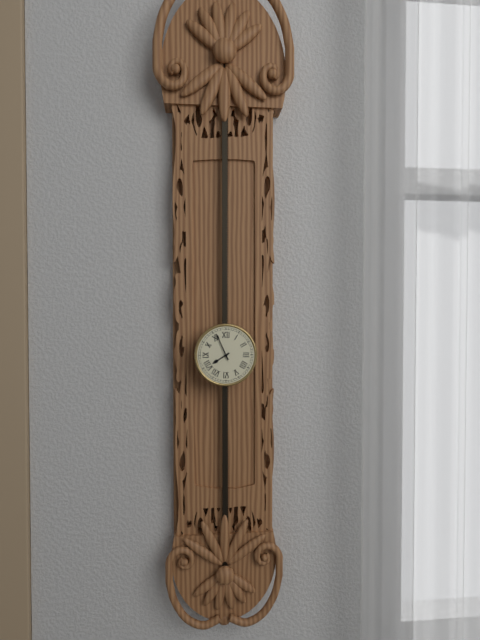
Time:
{"hour": 7, "minute": 56}
